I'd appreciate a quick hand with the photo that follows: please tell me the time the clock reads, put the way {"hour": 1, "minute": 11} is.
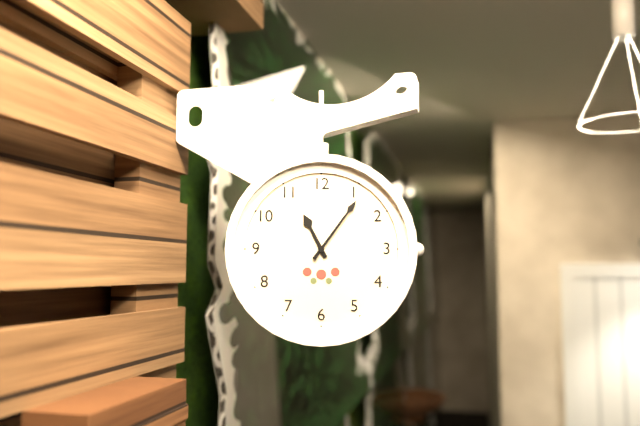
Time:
{"hour": 11, "minute": 6}
